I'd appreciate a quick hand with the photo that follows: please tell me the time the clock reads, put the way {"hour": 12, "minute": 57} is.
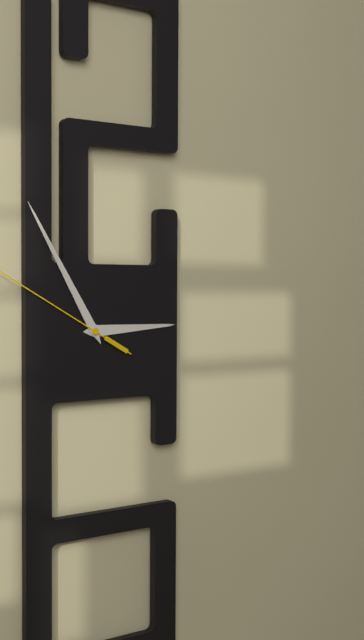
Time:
{"hour": 2, "minute": 55}
